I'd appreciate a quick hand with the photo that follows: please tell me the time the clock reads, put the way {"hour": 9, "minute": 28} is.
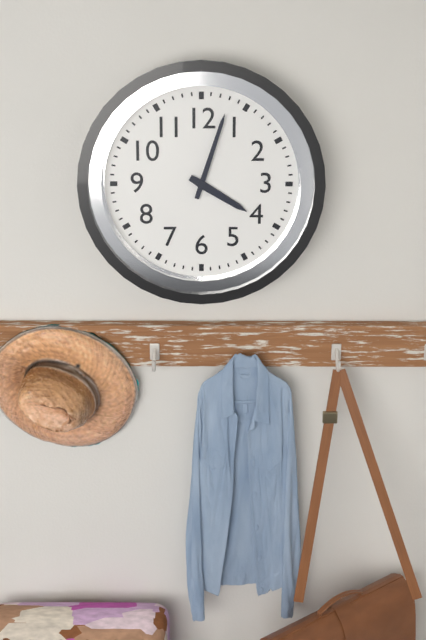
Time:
{"hour": 4, "minute": 3}
